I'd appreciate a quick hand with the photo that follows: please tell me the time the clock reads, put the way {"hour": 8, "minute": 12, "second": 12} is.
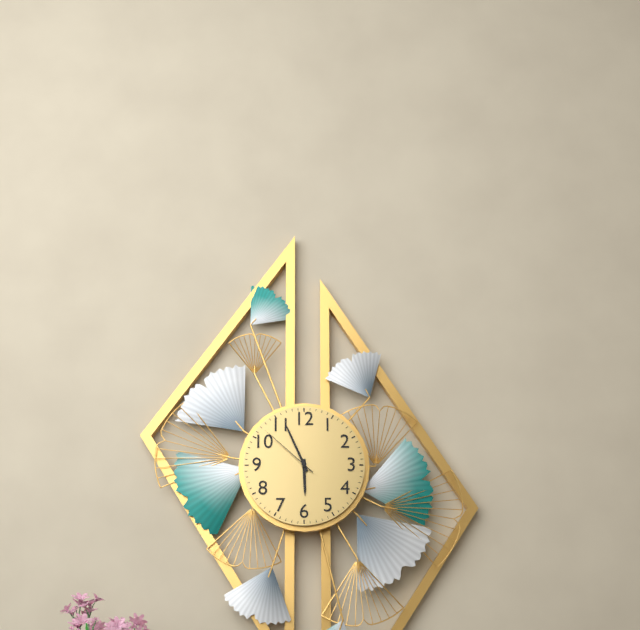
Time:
{"hour": 5, "minute": 56, "second": 52}
